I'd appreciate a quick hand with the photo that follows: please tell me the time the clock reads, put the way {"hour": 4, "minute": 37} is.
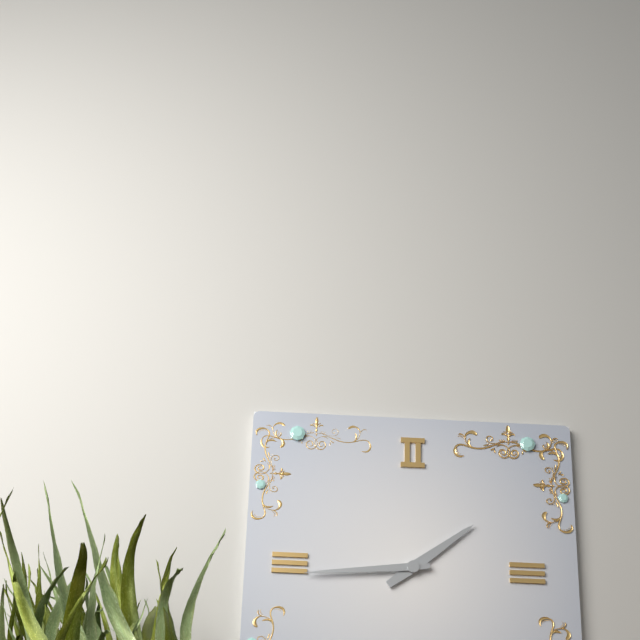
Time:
{"hour": 1, "minute": 44}
